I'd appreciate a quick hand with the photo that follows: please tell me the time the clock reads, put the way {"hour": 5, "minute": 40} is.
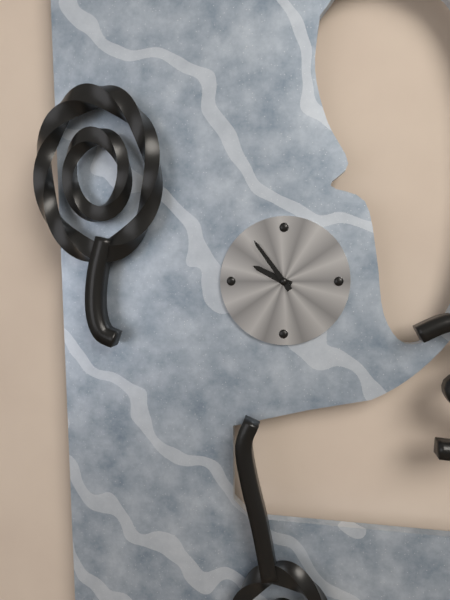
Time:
{"hour": 9, "minute": 54}
